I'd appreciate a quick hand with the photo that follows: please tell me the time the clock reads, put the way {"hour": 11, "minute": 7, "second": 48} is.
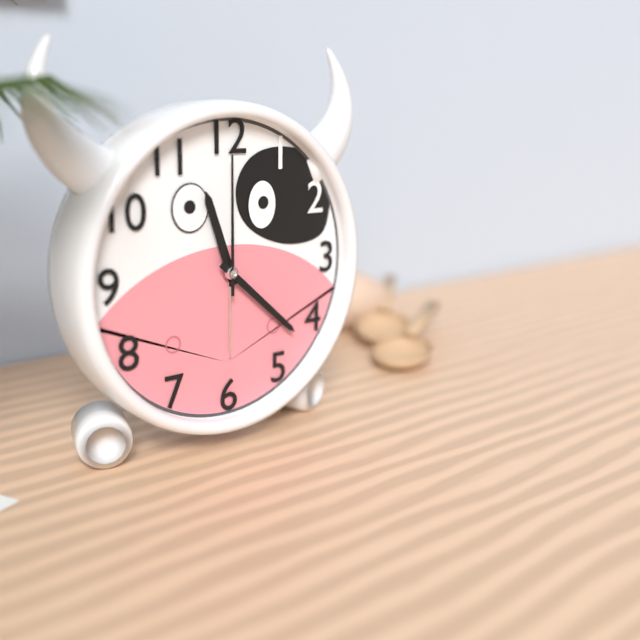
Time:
{"hour": 11, "minute": 22, "second": 0}
